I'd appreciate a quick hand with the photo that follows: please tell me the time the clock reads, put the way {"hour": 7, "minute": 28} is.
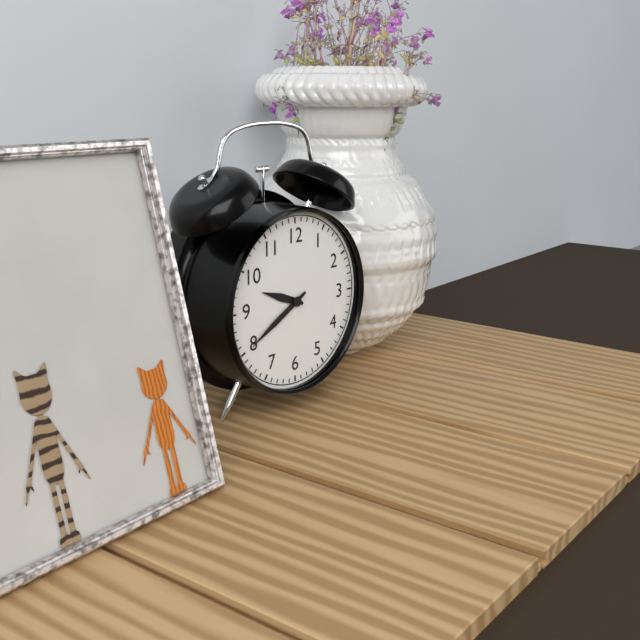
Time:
{"hour": 9, "minute": 40}
